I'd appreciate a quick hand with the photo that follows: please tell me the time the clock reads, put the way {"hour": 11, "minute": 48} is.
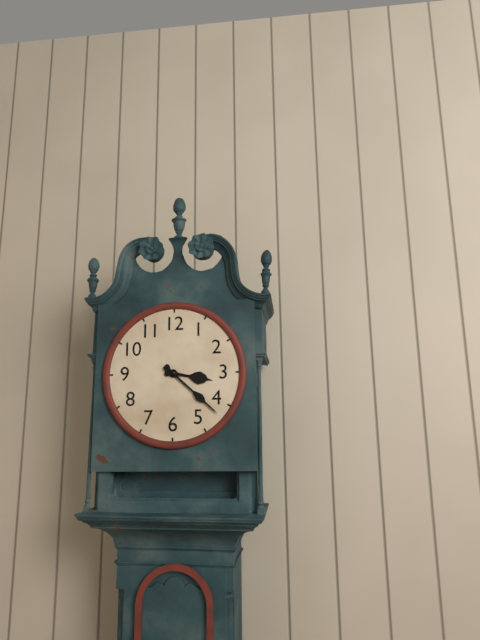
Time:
{"hour": 3, "minute": 22}
